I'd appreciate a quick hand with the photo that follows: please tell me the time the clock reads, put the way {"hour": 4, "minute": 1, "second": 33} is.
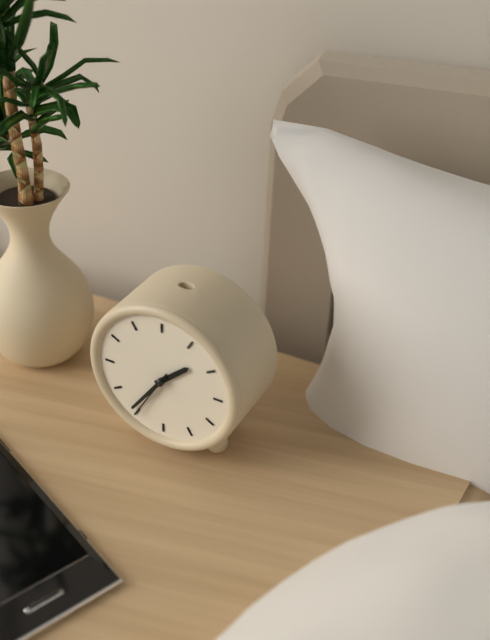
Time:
{"hour": 1, "minute": 36, "second": 35}
